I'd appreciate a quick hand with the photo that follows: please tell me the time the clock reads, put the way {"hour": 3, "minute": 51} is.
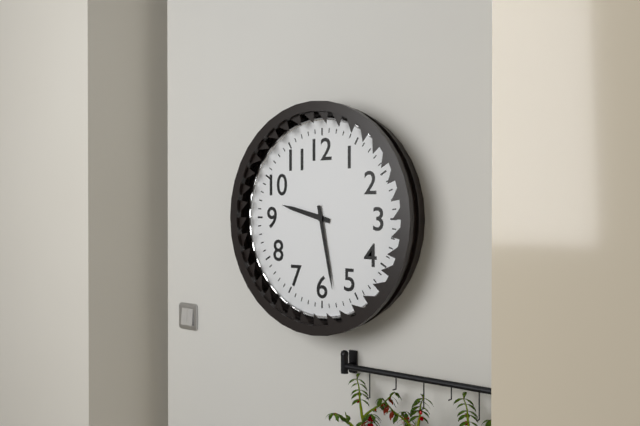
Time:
{"hour": 9, "minute": 28}
